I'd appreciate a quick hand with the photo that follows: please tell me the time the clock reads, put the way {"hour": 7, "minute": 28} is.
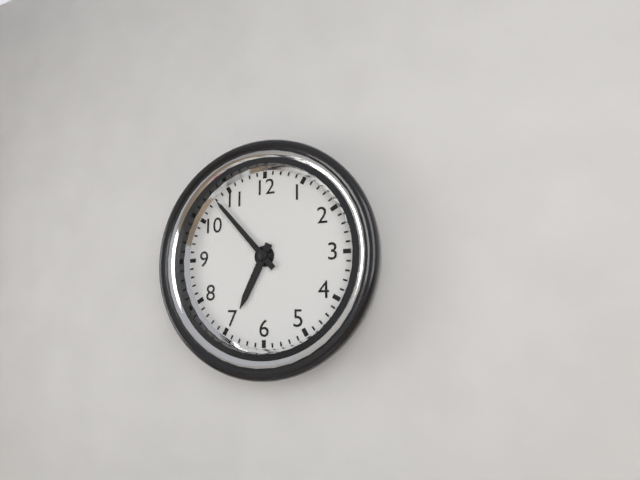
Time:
{"hour": 6, "minute": 53}
